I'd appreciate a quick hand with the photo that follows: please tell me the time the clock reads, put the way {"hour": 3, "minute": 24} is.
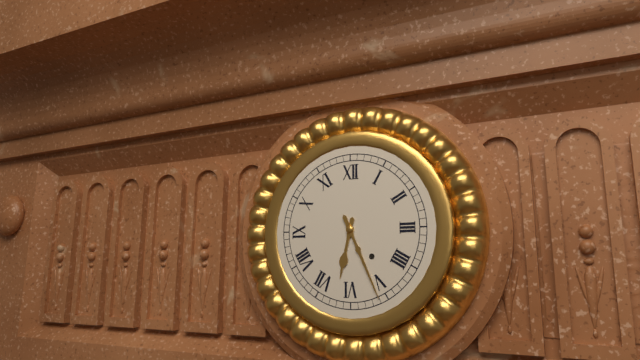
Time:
{"hour": 6, "minute": 26}
